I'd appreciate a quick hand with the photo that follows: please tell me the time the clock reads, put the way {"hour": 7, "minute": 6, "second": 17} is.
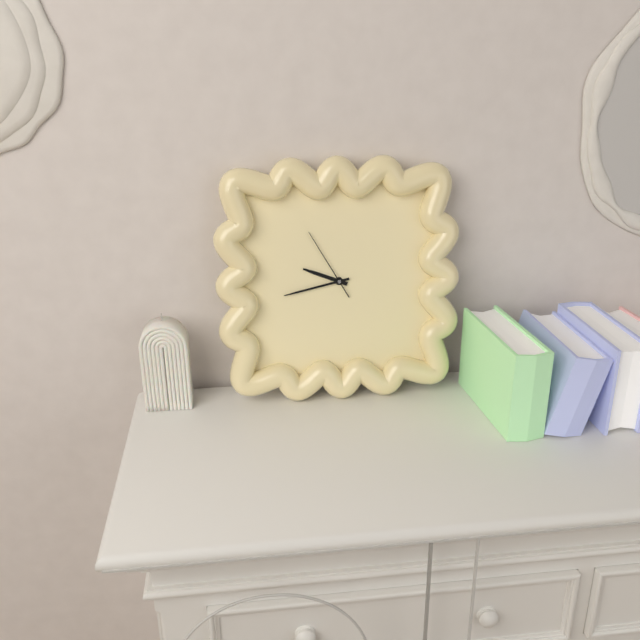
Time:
{"hour": 9, "minute": 43, "second": 55}
